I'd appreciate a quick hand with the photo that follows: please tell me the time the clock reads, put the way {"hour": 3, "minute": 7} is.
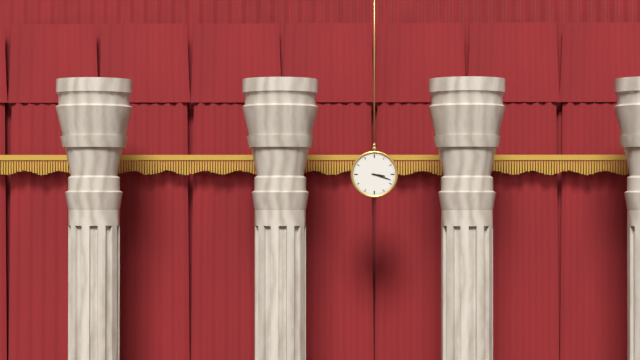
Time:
{"hour": 3, "minute": 18}
